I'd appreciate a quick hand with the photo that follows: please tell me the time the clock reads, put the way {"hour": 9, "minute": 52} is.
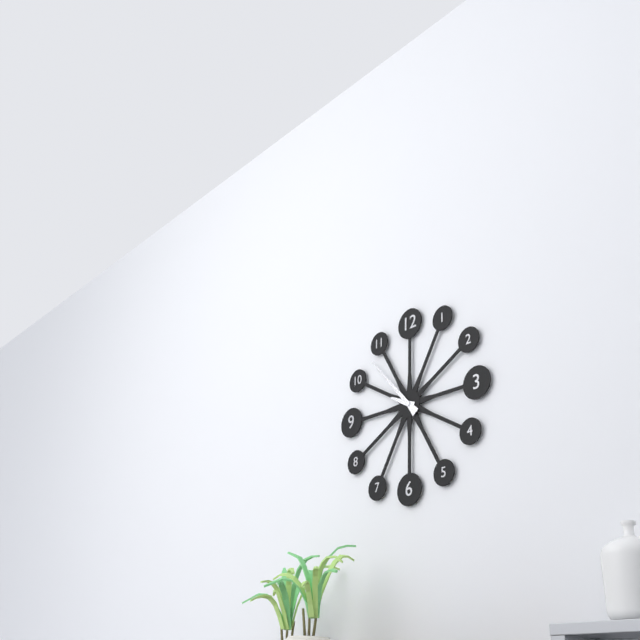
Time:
{"hour": 9, "minute": 53}
